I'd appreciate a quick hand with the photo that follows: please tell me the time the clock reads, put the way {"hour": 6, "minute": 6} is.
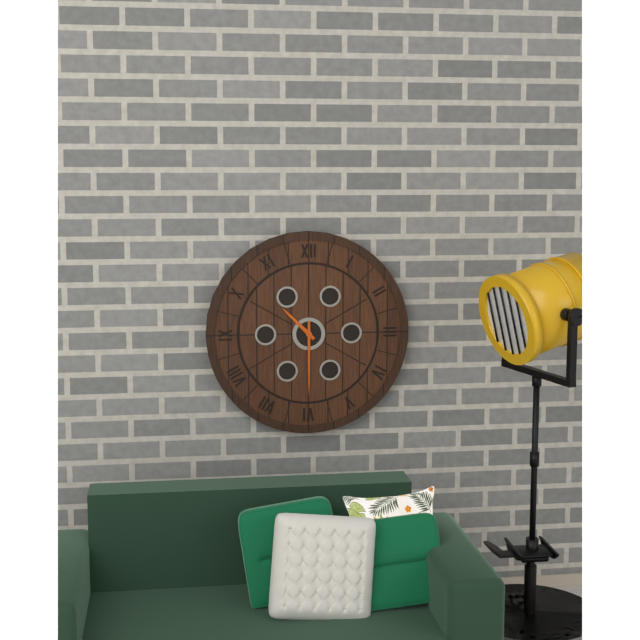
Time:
{"hour": 10, "minute": 30}
